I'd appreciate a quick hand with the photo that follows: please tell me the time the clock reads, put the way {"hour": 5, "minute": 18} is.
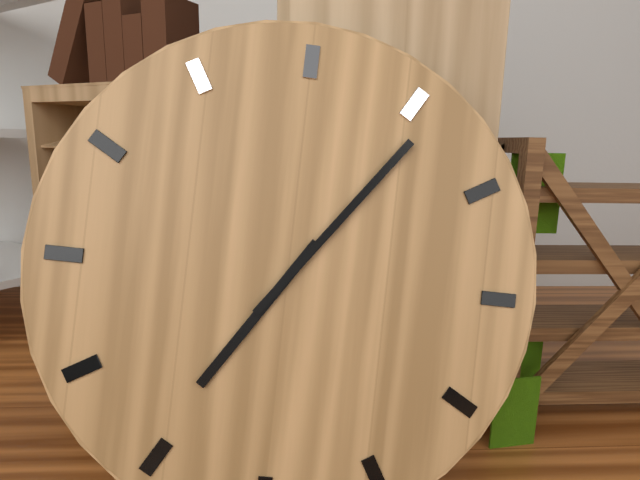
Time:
{"hour": 7, "minute": 6}
